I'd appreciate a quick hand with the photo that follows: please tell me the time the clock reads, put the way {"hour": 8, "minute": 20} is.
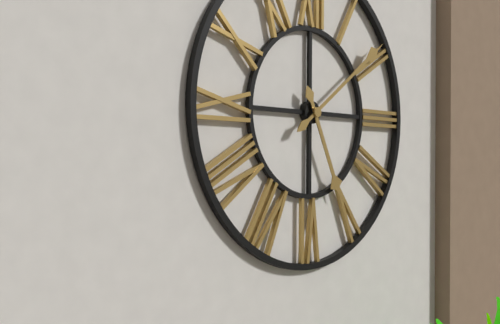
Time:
{"hour": 5, "minute": 9}
